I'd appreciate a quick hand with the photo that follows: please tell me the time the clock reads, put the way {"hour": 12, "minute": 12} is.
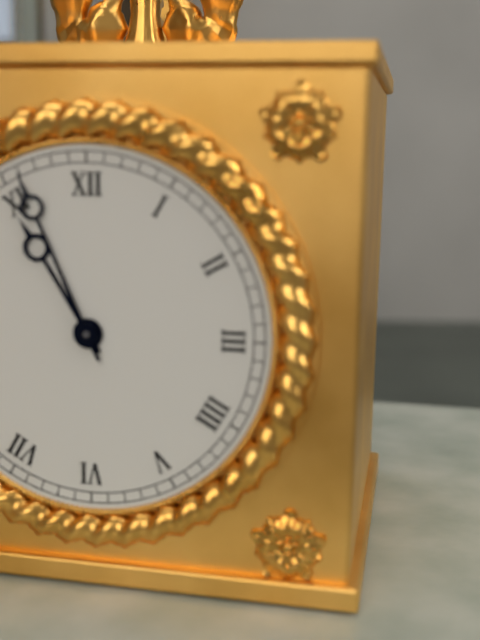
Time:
{"hour": 10, "minute": 56}
